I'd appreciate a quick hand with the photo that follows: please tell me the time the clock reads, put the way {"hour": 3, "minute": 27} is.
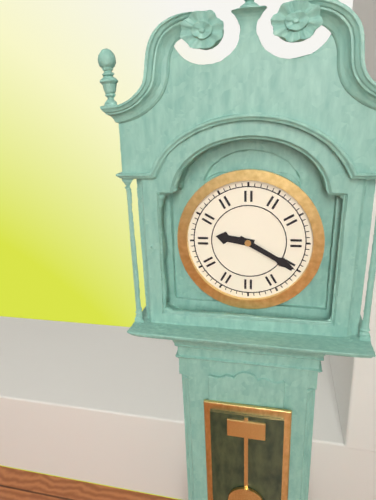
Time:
{"hour": 9, "minute": 20}
